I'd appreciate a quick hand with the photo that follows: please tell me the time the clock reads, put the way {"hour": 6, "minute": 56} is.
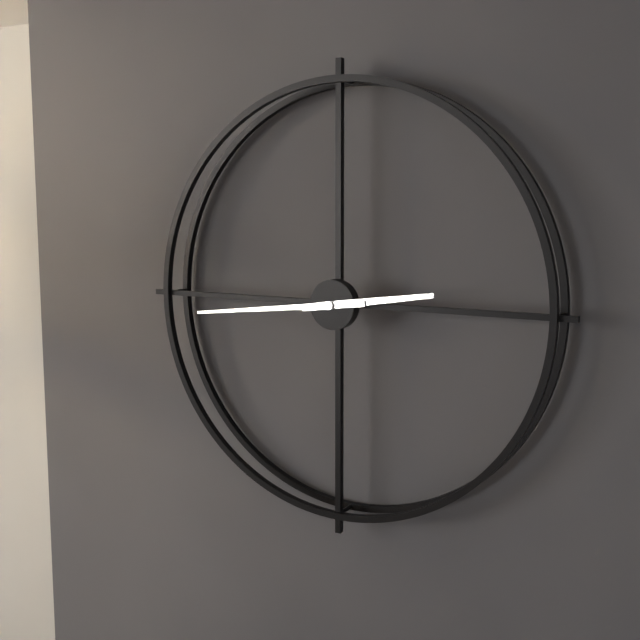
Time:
{"hour": 2, "minute": 44}
